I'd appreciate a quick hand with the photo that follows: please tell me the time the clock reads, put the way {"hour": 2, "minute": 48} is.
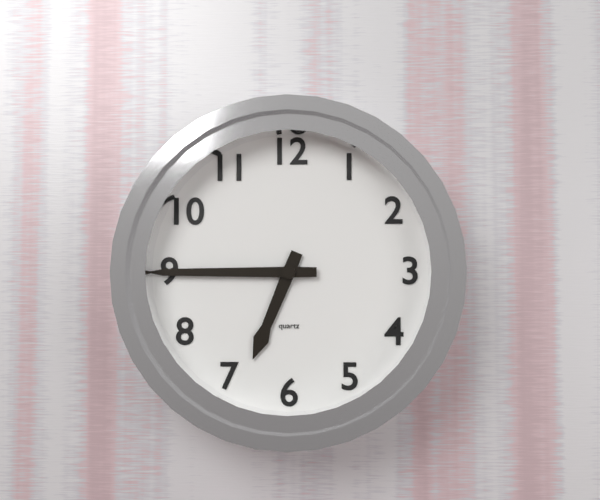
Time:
{"hour": 6, "minute": 45}
